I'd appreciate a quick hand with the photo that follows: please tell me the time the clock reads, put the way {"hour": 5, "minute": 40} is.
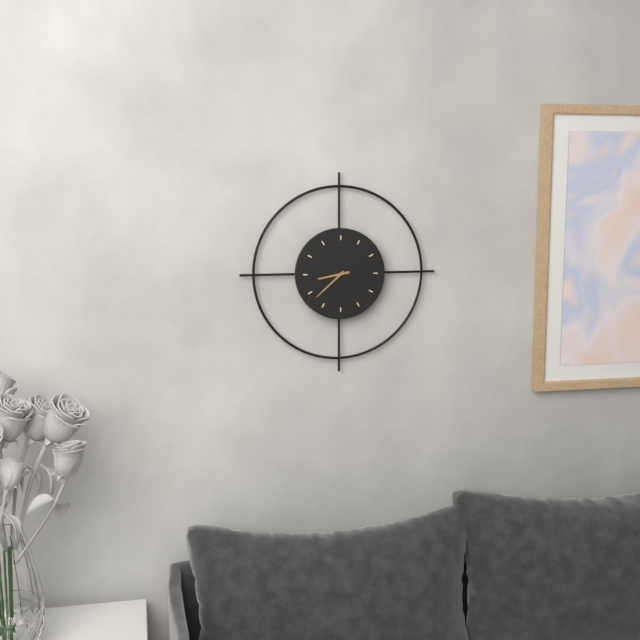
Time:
{"hour": 8, "minute": 38}
